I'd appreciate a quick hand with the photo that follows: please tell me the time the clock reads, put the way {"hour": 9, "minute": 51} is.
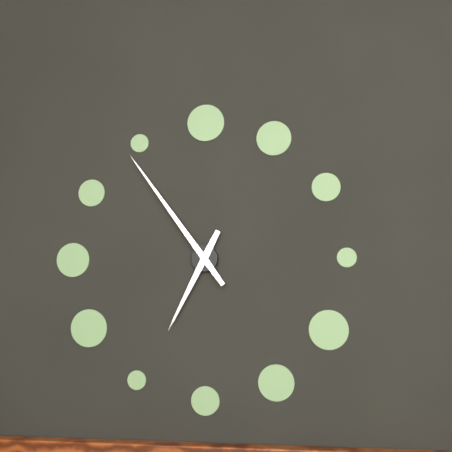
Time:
{"hour": 6, "minute": 54}
